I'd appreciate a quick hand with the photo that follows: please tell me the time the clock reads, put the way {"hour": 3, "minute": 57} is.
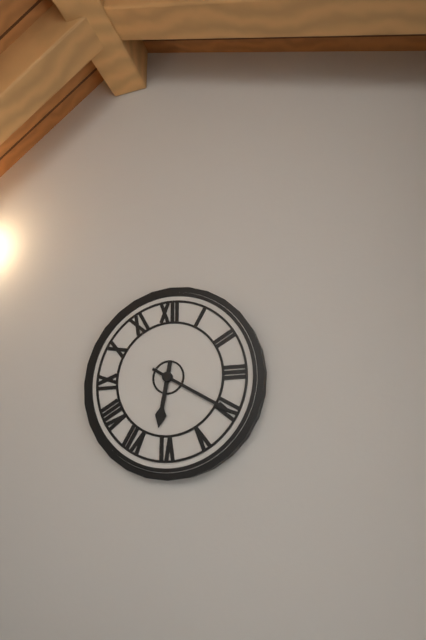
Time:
{"hour": 6, "minute": 20}
